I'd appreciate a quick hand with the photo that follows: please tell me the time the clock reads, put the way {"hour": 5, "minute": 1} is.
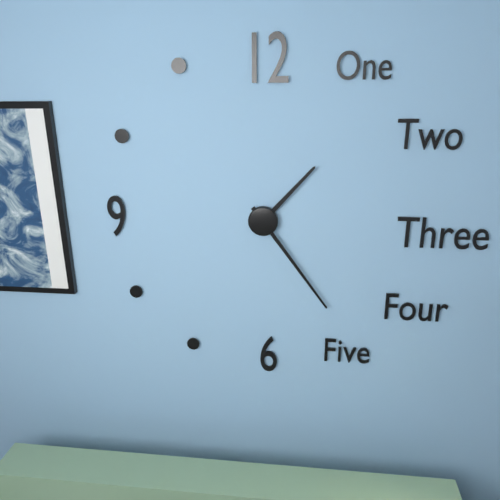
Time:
{"hour": 1, "minute": 24}
